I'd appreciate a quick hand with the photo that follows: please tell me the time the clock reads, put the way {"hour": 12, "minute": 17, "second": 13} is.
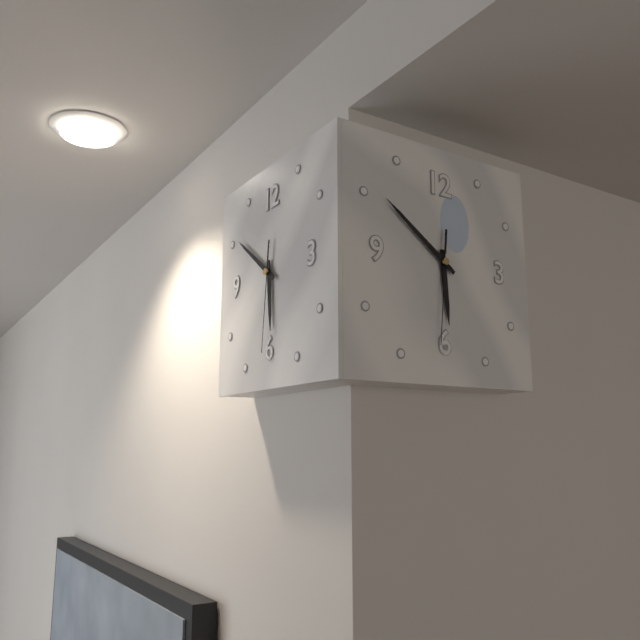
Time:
{"hour": 5, "minute": 51, "second": 31}
